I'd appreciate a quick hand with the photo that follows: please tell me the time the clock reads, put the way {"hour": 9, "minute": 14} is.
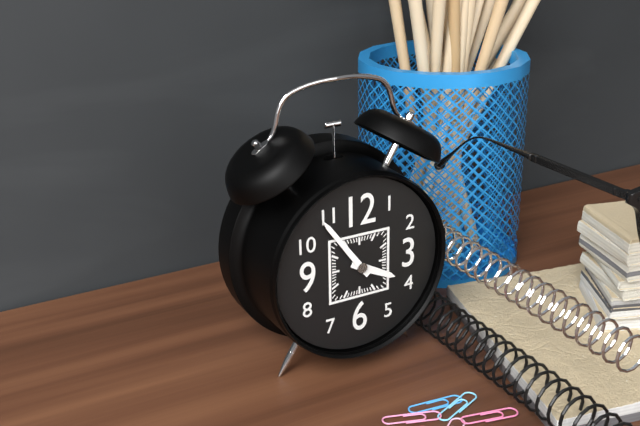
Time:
{"hour": 3, "minute": 54}
